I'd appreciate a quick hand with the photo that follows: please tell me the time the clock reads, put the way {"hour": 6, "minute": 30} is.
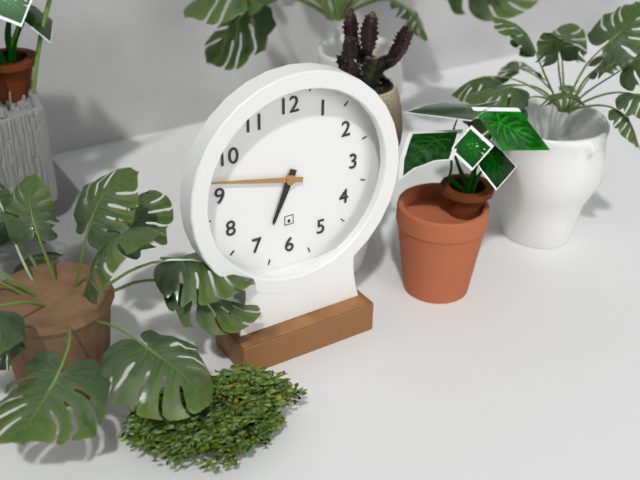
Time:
{"hour": 6, "minute": 47}
